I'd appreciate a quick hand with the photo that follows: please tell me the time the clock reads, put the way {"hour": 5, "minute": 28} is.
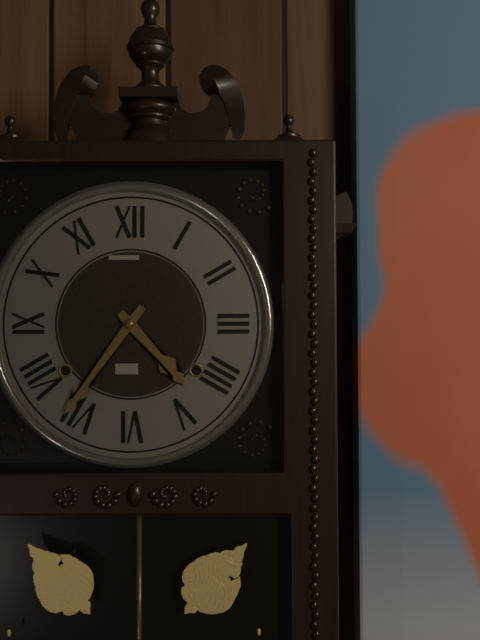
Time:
{"hour": 4, "minute": 36}
